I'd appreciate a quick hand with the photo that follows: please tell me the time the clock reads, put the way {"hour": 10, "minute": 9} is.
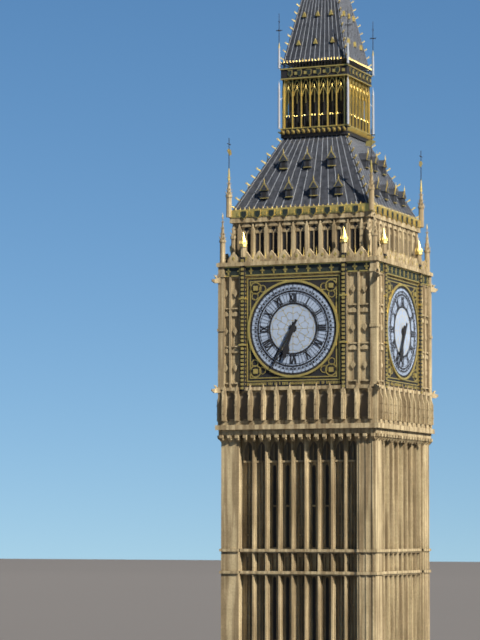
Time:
{"hour": 6, "minute": 35}
